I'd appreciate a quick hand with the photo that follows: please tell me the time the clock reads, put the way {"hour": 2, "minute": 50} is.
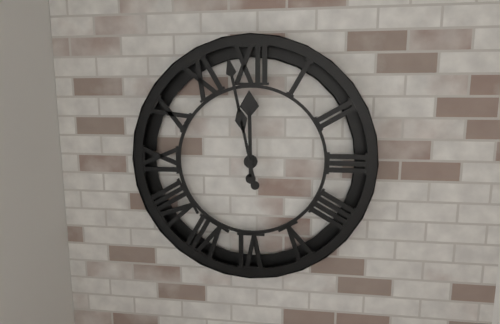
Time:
{"hour": 11, "minute": 58}
